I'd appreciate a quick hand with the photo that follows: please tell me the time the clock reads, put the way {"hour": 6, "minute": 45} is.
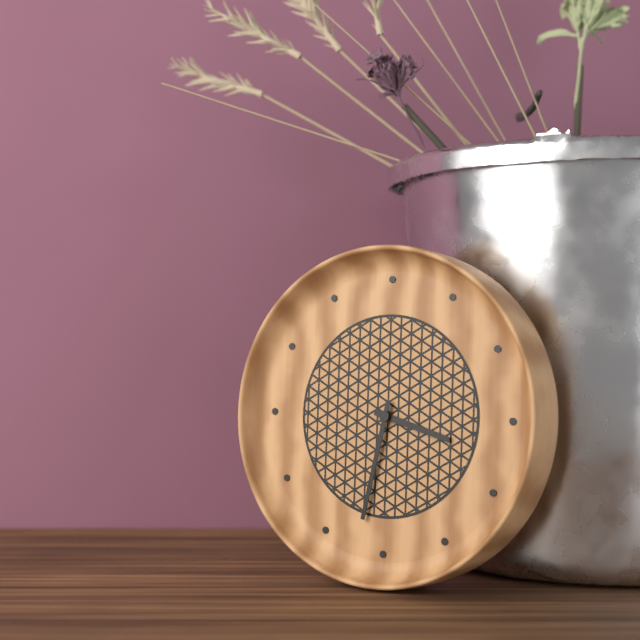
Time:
{"hour": 3, "minute": 32}
